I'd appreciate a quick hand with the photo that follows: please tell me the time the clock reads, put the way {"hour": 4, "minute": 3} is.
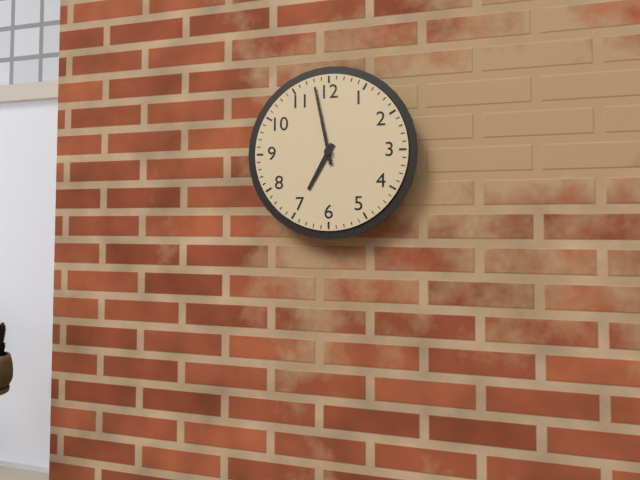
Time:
{"hour": 6, "minute": 58}
